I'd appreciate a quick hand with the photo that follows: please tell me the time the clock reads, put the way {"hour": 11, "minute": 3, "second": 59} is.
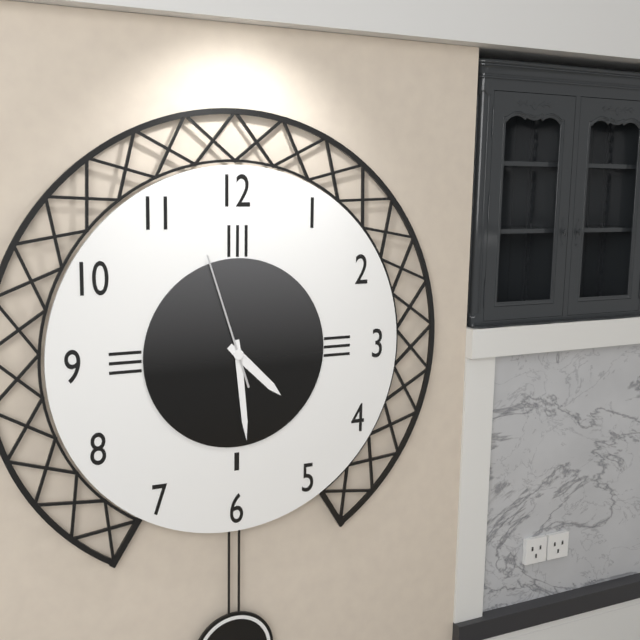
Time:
{"hour": 4, "minute": 29, "second": 57}
